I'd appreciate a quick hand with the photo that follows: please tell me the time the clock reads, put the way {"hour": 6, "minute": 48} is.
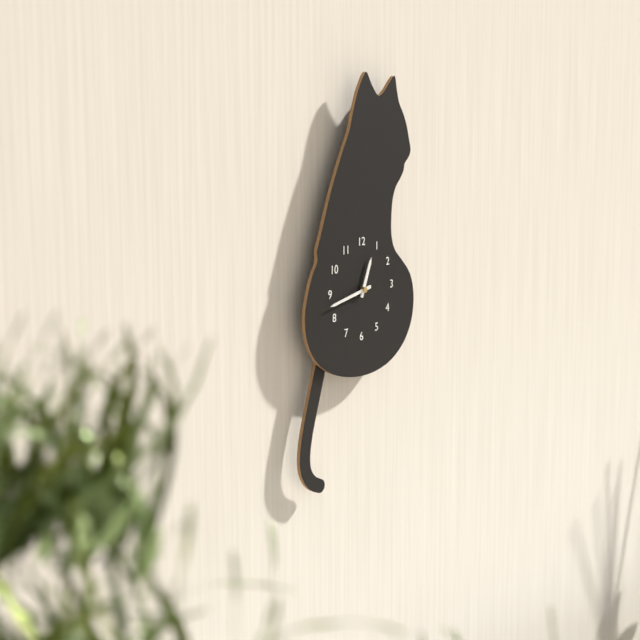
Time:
{"hour": 12, "minute": 43}
